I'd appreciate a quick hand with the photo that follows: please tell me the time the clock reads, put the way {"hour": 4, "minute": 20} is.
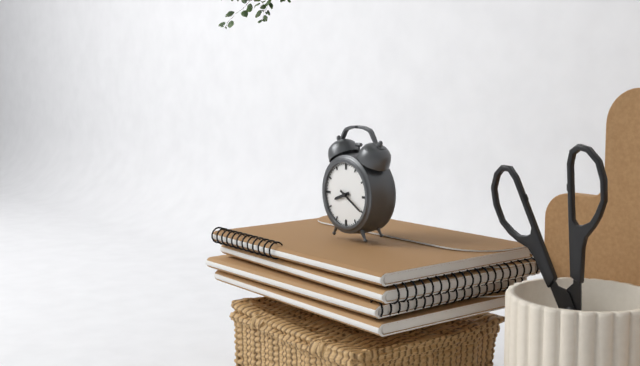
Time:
{"hour": 8, "minute": 20}
